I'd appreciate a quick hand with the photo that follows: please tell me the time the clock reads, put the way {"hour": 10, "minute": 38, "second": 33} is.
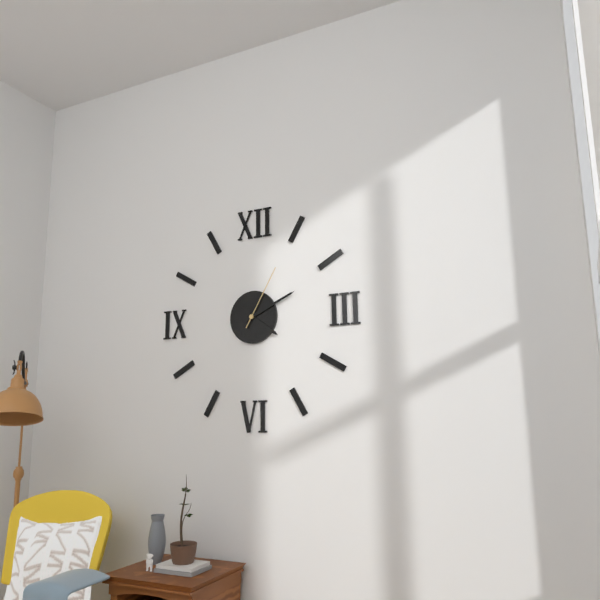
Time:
{"hour": 4, "minute": 11, "second": 5}
